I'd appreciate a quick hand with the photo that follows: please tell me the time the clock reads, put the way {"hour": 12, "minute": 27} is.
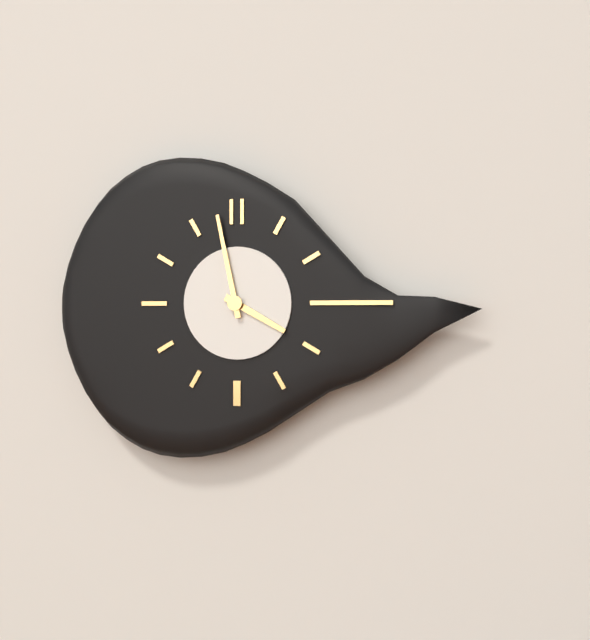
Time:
{"hour": 3, "minute": 58}
